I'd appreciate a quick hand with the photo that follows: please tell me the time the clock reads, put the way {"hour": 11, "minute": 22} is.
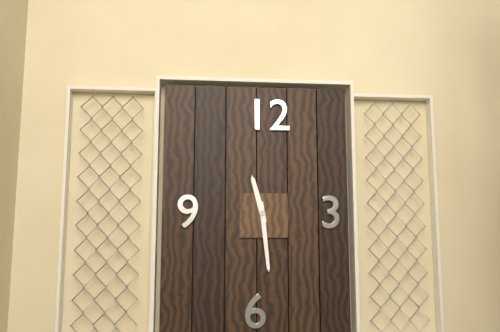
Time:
{"hour": 11, "minute": 29}
